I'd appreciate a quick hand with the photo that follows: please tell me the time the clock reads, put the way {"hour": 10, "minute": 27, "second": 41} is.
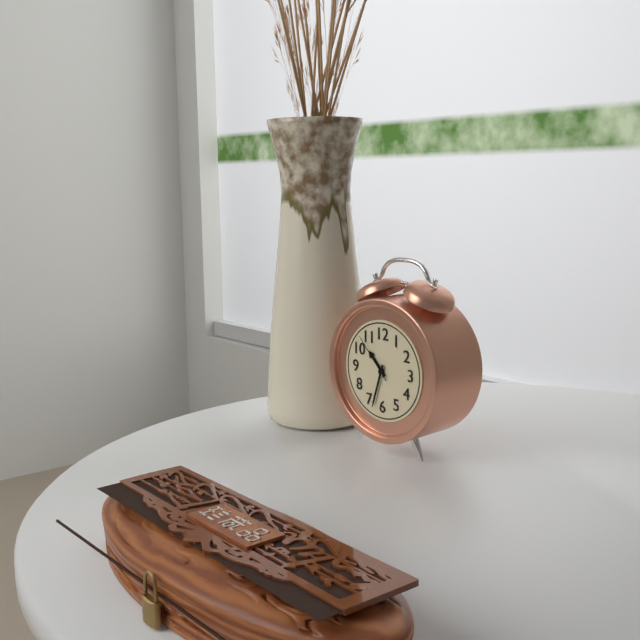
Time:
{"hour": 10, "minute": 33, "second": 53}
